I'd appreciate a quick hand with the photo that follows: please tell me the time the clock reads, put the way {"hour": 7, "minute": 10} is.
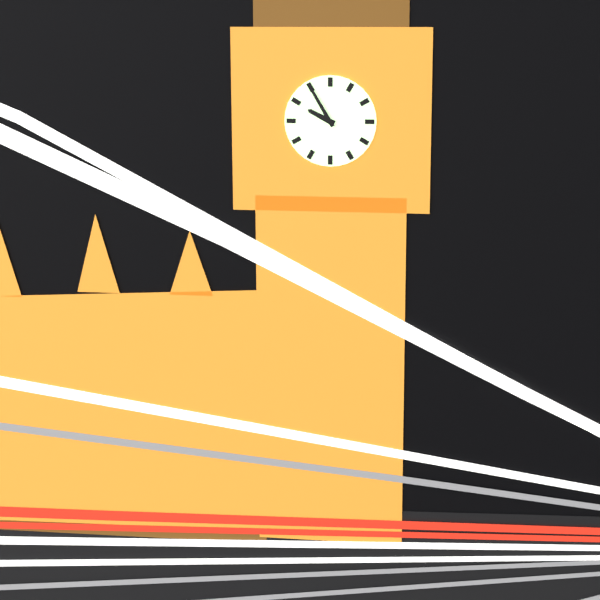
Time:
{"hour": 9, "minute": 55}
